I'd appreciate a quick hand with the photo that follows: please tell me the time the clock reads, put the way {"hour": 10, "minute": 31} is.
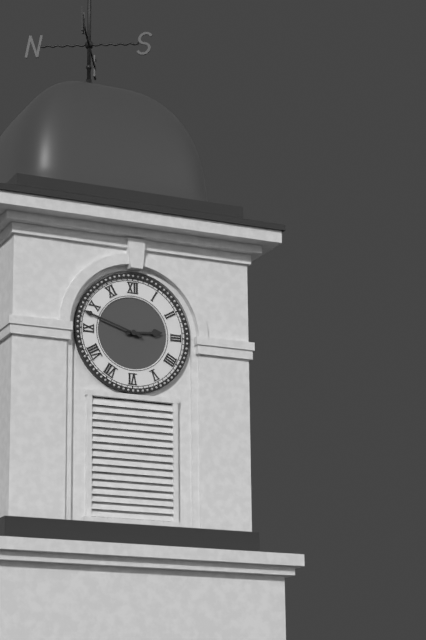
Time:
{"hour": 2, "minute": 48}
